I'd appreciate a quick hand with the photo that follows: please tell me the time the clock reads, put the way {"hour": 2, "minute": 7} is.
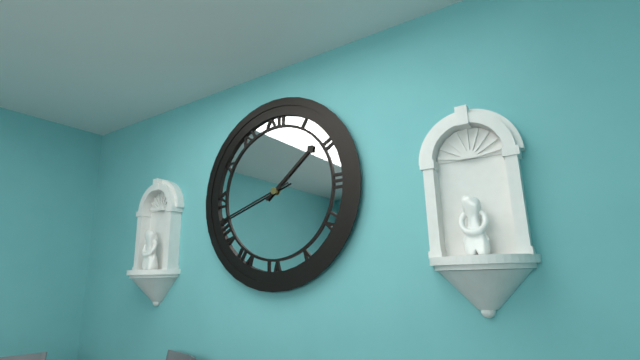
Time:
{"hour": 1, "minute": 42}
